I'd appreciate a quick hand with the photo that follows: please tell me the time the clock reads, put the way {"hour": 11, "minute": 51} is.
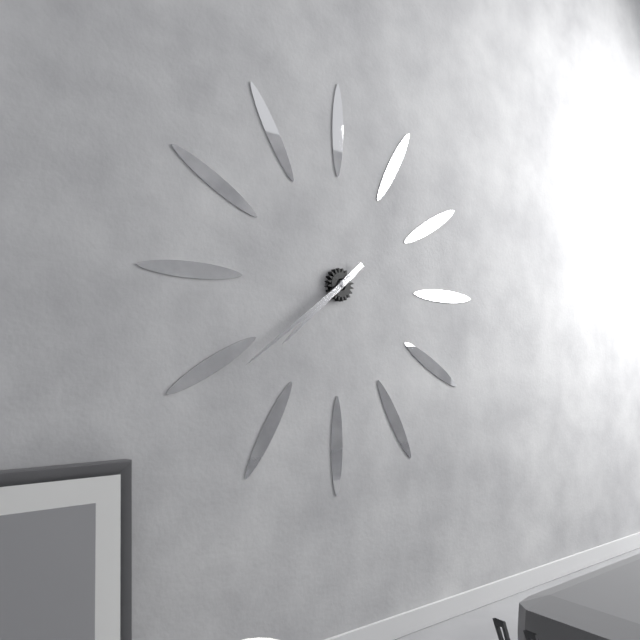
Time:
{"hour": 7, "minute": 39}
